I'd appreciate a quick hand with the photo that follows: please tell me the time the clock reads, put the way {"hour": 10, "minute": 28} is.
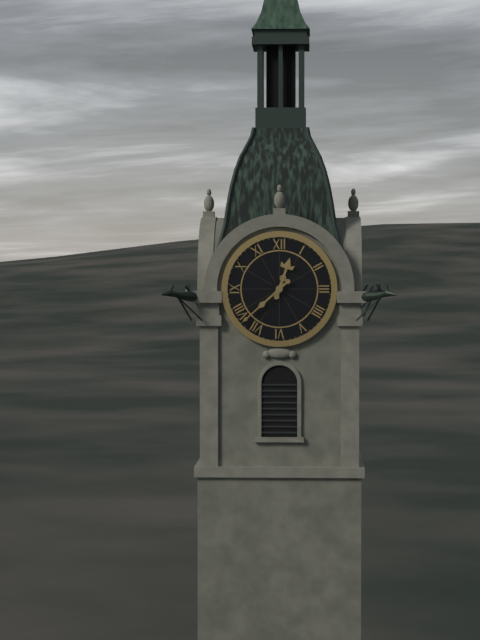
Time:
{"hour": 12, "minute": 38}
